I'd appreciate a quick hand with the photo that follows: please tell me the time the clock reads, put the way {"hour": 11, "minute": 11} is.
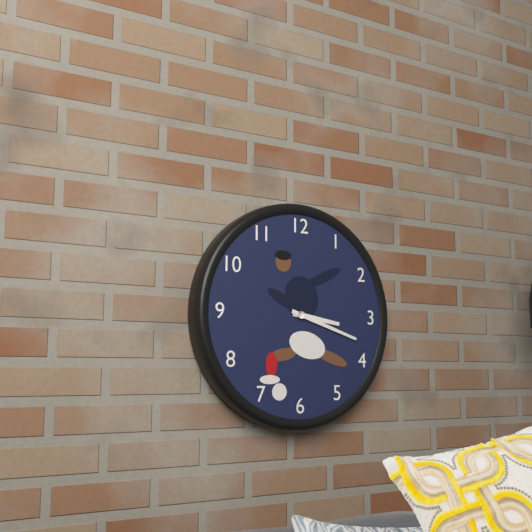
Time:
{"hour": 3, "minute": 18}
